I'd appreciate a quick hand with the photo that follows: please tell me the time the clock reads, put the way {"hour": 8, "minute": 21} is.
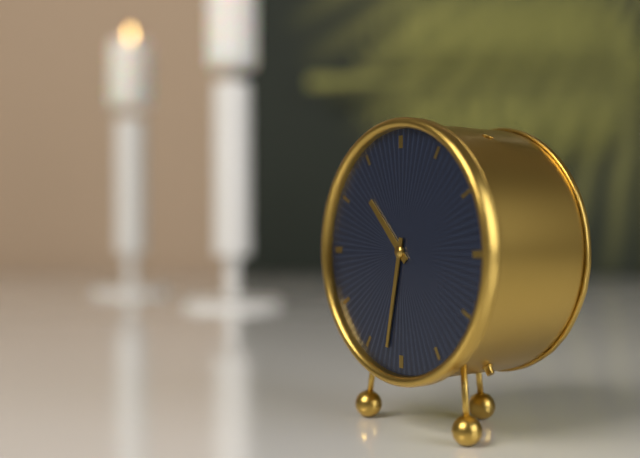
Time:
{"hour": 10, "minute": 32}
